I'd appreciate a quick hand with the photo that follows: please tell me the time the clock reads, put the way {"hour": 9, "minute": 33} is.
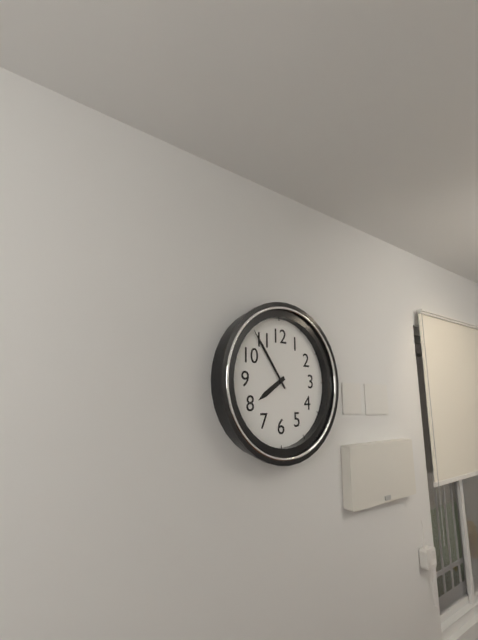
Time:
{"hour": 7, "minute": 54}
